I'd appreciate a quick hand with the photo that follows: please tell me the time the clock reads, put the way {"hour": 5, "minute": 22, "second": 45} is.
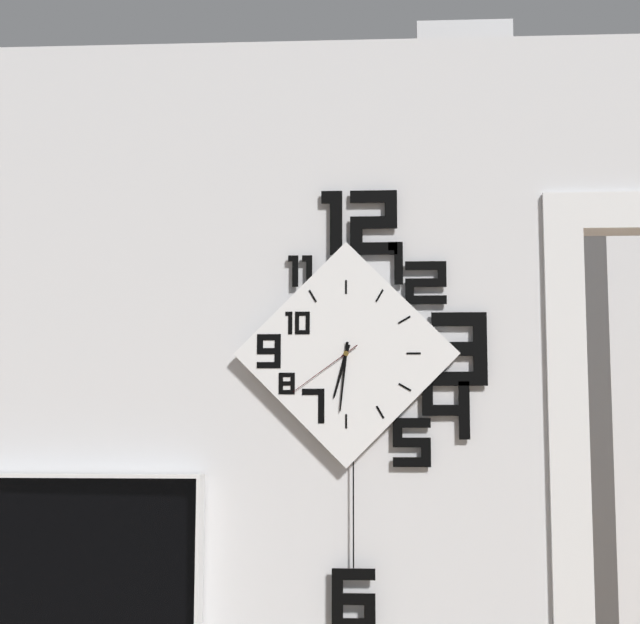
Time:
{"hour": 6, "minute": 31, "second": 39}
